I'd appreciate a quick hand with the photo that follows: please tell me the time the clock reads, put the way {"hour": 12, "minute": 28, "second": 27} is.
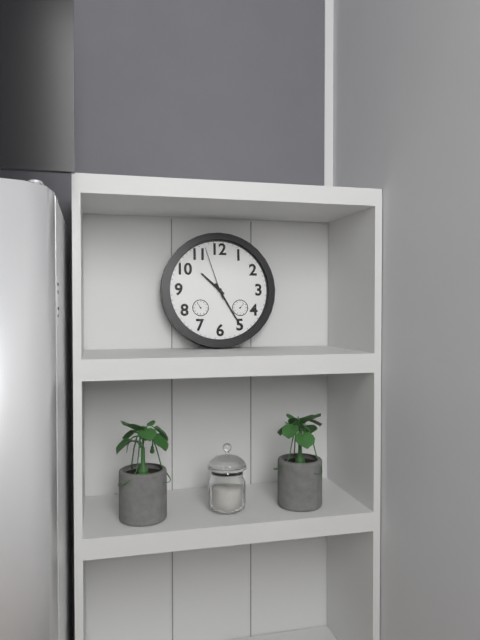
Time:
{"hour": 10, "minute": 25, "second": 57}
